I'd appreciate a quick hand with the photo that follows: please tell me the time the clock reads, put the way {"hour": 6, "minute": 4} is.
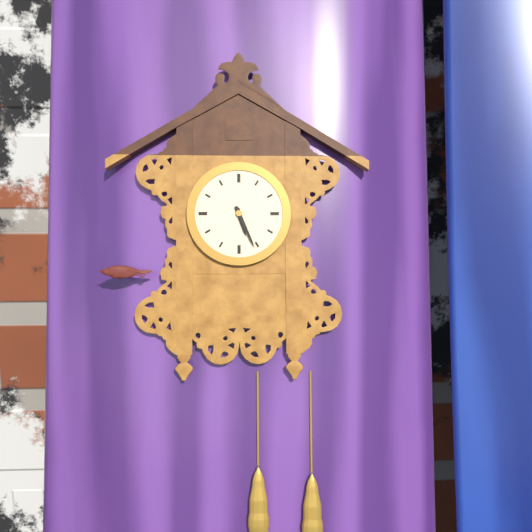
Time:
{"hour": 5, "minute": 26}
